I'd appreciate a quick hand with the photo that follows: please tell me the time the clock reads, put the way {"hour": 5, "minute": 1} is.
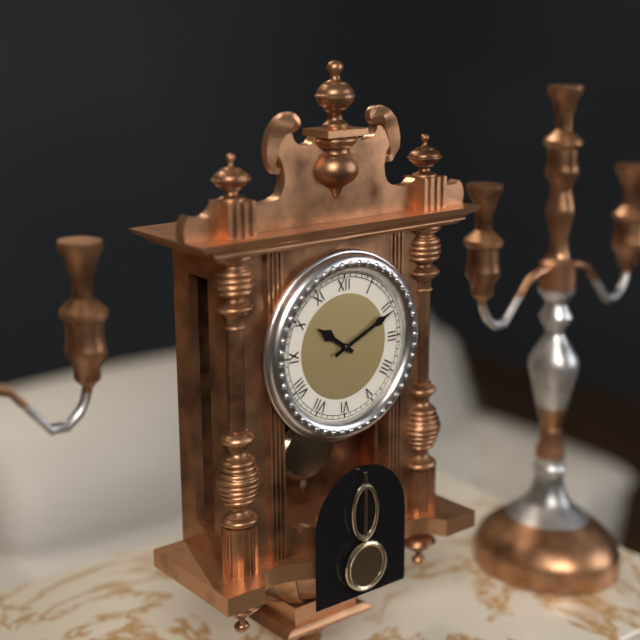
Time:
{"hour": 10, "minute": 11}
